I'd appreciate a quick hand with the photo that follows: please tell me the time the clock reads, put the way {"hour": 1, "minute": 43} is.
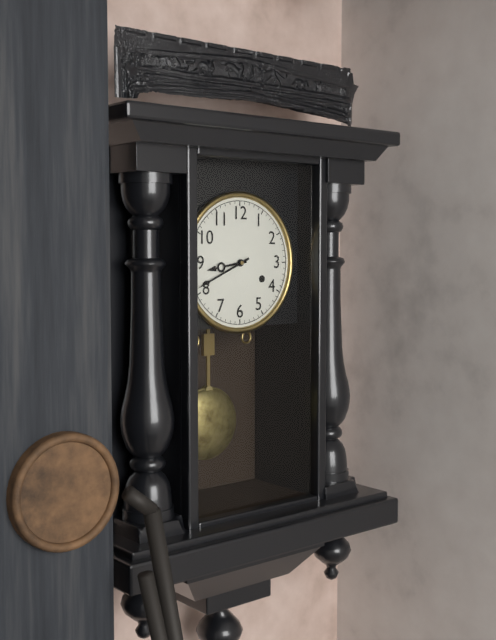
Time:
{"hour": 8, "minute": 41}
